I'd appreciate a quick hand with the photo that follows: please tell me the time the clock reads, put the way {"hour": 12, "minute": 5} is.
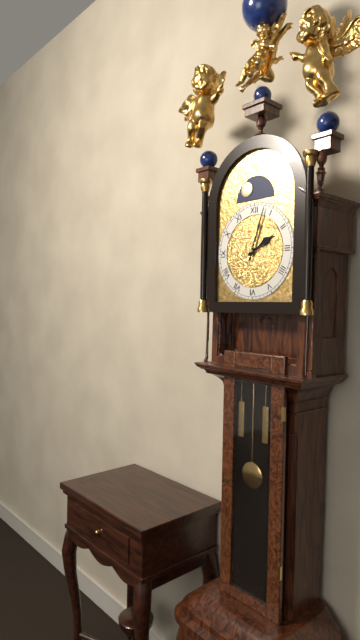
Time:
{"hour": 2, "minute": 3}
